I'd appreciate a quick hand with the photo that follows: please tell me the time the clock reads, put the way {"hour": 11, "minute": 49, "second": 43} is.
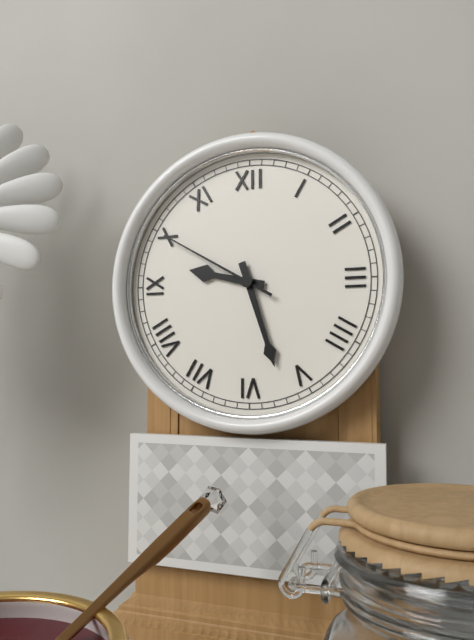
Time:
{"hour": 9, "minute": 27, "second": 50}
